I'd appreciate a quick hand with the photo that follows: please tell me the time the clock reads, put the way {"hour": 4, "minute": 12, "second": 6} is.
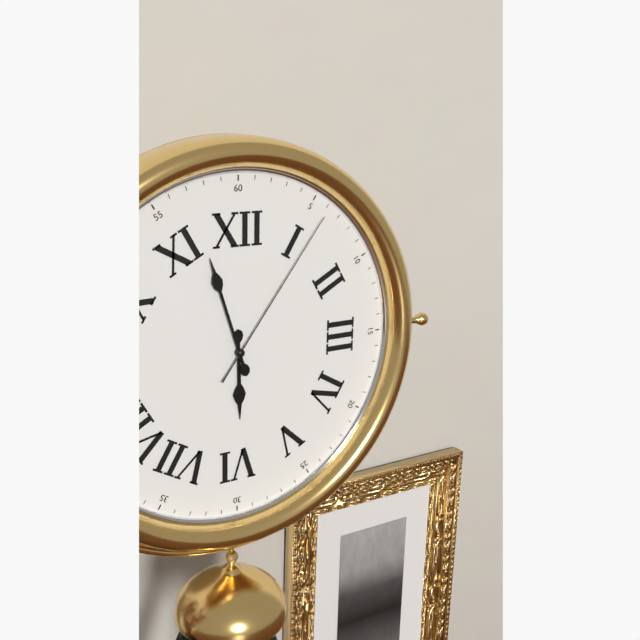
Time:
{"hour": 5, "minute": 57, "second": 6}
